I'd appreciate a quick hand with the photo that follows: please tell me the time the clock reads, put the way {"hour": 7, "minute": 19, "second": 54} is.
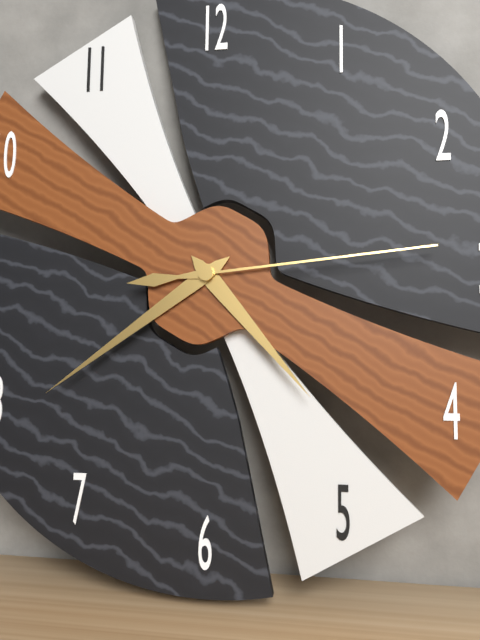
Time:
{"hour": 4, "minute": 39, "second": 14}
